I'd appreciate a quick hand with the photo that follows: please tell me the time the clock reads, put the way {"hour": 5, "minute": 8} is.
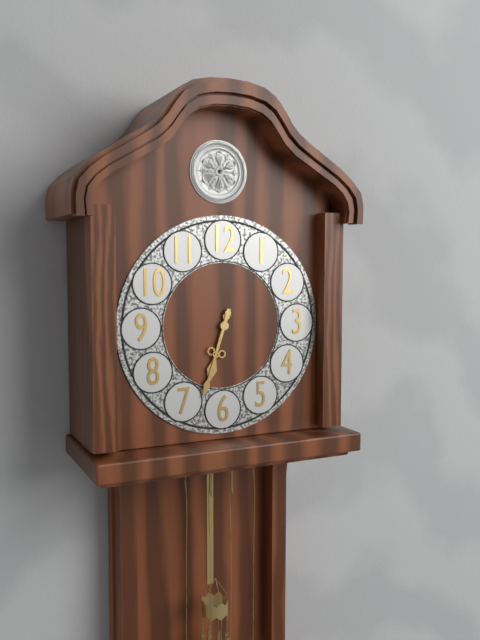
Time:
{"hour": 6, "minute": 33}
